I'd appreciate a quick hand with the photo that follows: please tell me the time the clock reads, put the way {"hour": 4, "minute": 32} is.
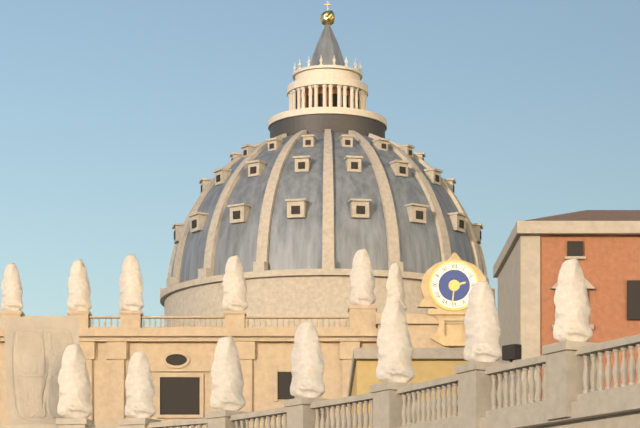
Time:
{"hour": 2, "minute": 31}
